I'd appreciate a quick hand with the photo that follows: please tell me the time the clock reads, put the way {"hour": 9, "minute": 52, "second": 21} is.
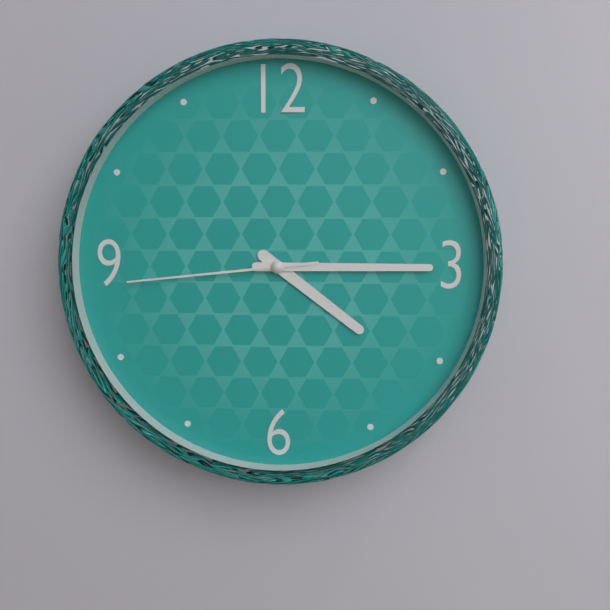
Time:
{"hour": 4, "minute": 15, "second": 44}
